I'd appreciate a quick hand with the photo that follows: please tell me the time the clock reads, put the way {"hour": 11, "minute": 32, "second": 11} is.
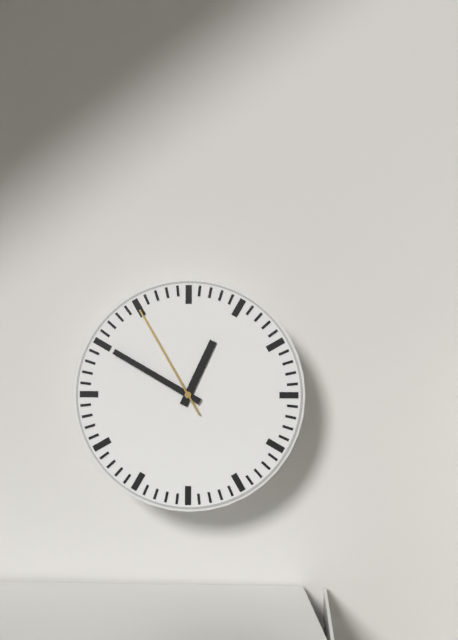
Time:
{"hour": 12, "minute": 50, "second": 55}
